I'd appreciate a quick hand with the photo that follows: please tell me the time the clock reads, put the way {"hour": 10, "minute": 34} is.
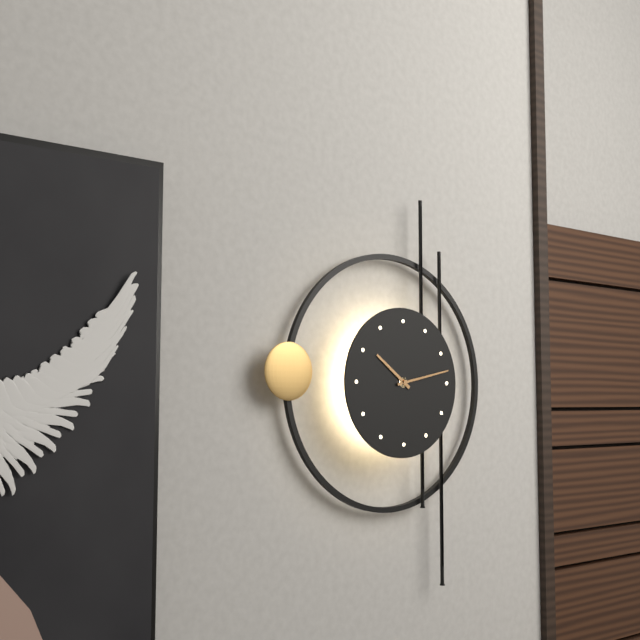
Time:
{"hour": 10, "minute": 13}
